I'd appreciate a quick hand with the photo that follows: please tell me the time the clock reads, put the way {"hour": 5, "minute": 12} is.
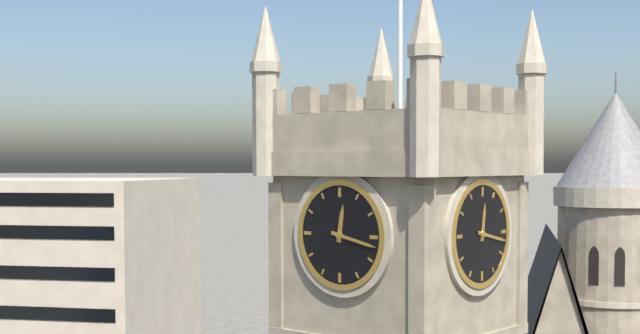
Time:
{"hour": 12, "minute": 17}
